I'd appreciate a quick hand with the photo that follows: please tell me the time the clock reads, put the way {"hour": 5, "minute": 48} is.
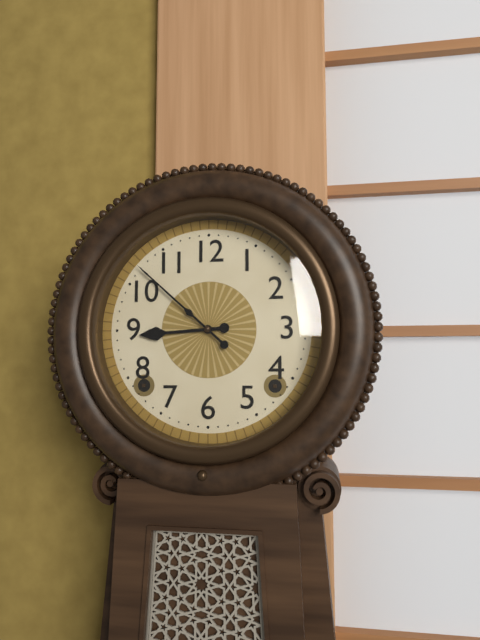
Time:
{"hour": 8, "minute": 52}
